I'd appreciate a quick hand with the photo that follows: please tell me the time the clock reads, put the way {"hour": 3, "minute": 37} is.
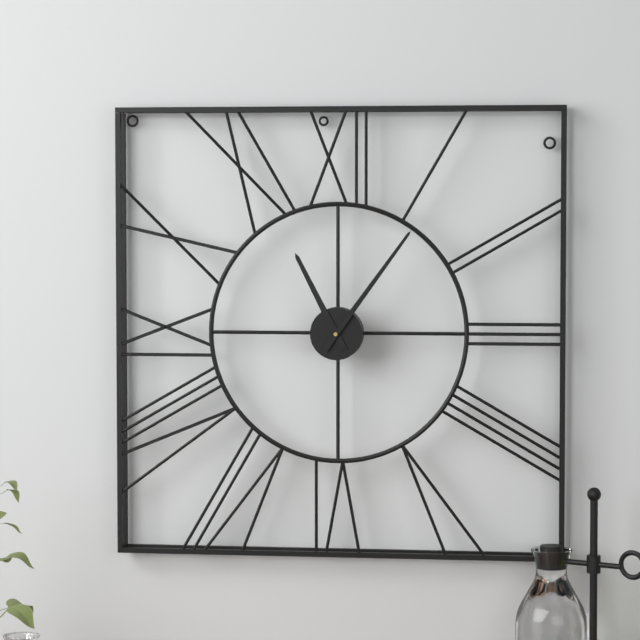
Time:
{"hour": 11, "minute": 6}
